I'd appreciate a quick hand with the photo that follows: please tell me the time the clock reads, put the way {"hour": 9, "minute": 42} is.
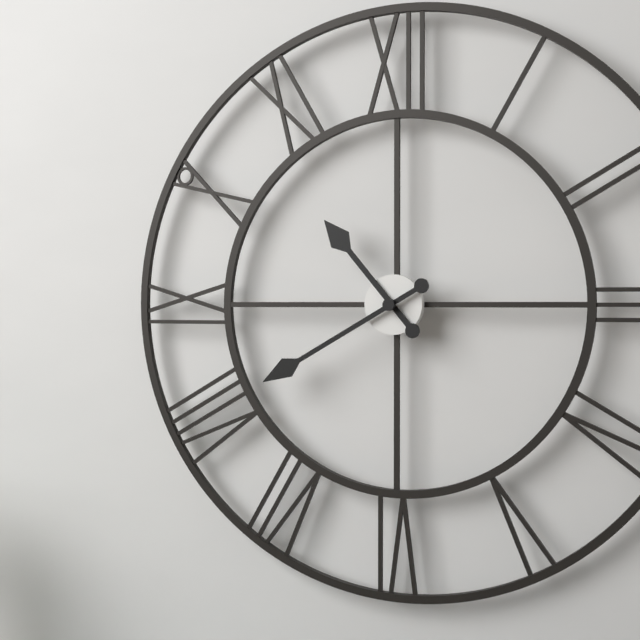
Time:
{"hour": 10, "minute": 40}
